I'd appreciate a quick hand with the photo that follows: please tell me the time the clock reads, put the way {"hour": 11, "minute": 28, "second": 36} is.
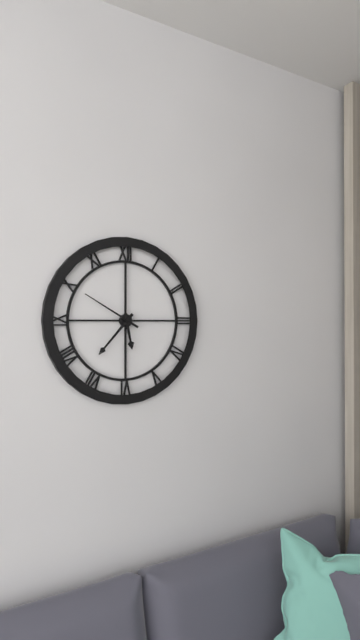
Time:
{"hour": 5, "minute": 37, "second": 50}
